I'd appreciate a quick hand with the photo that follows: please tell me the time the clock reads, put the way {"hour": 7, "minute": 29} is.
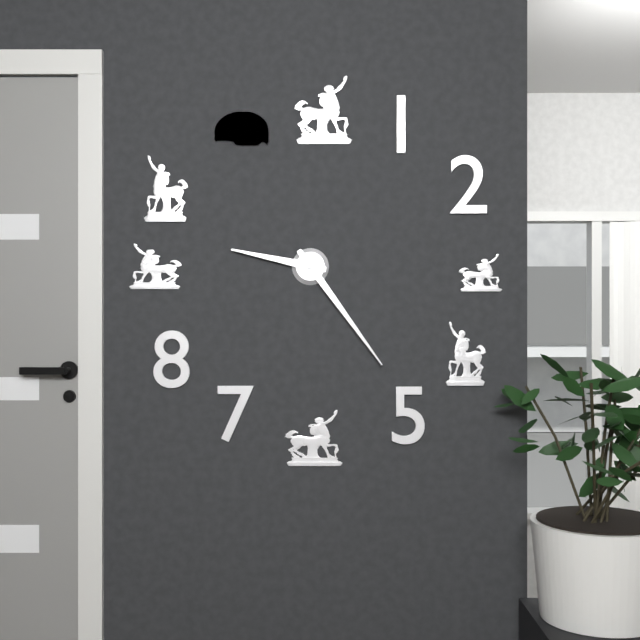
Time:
{"hour": 9, "minute": 24}
